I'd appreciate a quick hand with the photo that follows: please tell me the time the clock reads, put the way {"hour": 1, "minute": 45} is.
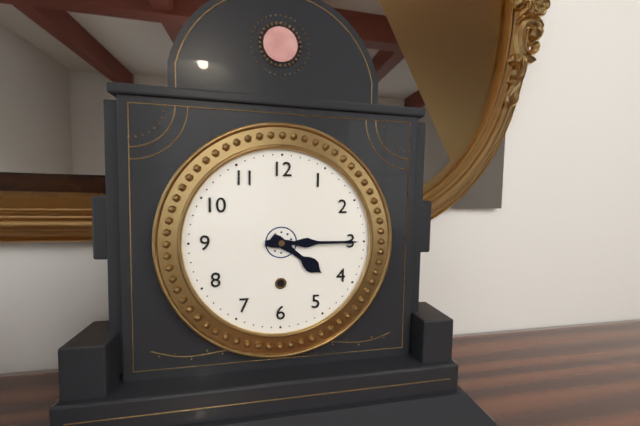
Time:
{"hour": 4, "minute": 15}
